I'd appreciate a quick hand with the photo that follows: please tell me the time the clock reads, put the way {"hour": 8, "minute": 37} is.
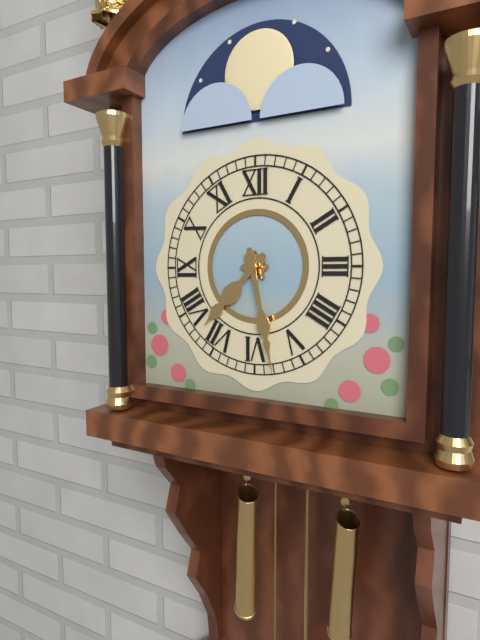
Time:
{"hour": 7, "minute": 28}
